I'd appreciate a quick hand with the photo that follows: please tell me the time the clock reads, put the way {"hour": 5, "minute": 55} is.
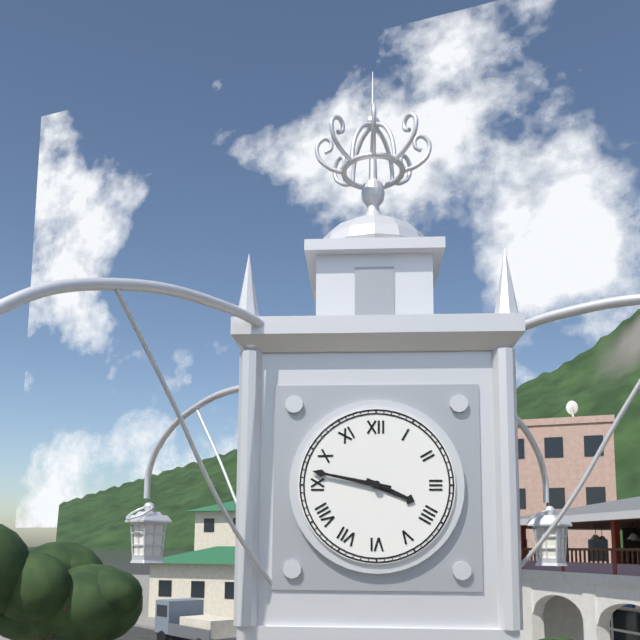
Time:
{"hour": 3, "minute": 47}
